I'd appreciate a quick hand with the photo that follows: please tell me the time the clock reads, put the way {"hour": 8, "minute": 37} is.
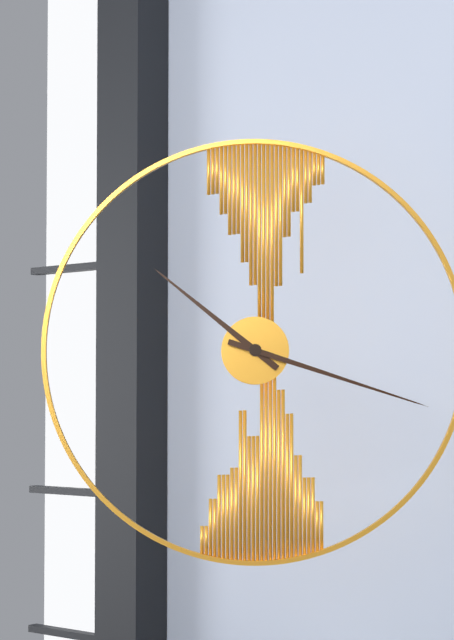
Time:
{"hour": 10, "minute": 18}
